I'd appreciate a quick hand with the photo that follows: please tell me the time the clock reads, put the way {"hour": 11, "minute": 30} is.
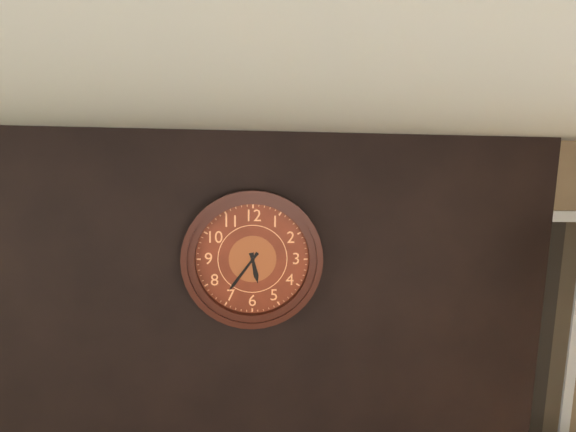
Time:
{"hour": 5, "minute": 36}
